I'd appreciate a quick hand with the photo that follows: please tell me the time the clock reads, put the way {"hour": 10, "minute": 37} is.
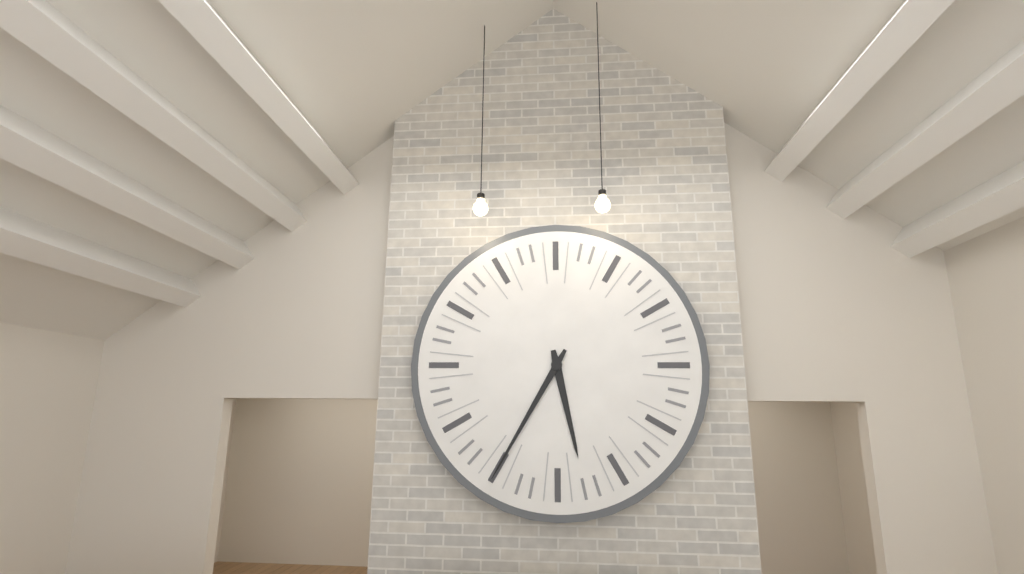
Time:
{"hour": 5, "minute": 35}
